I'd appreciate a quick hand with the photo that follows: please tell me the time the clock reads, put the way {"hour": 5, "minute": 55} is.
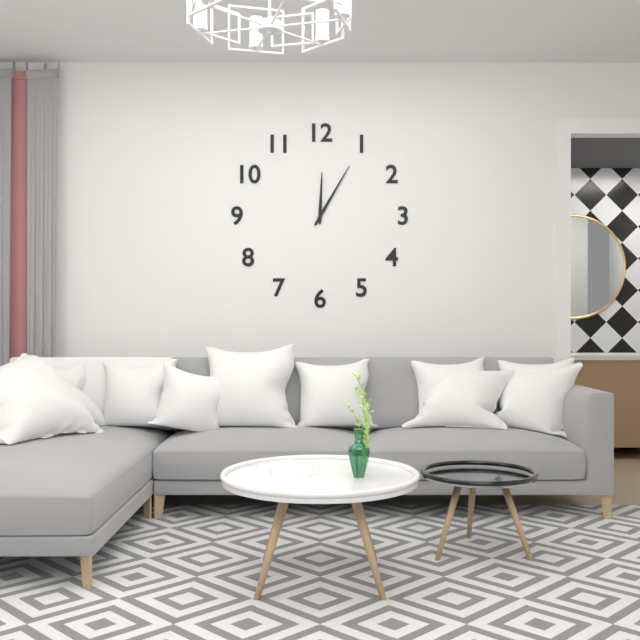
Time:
{"hour": 12, "minute": 5}
